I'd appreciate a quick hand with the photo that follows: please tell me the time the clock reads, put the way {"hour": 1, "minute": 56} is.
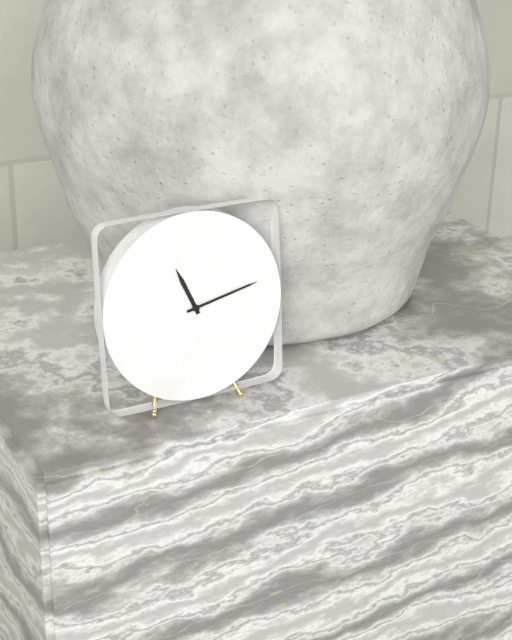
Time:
{"hour": 11, "minute": 13}
